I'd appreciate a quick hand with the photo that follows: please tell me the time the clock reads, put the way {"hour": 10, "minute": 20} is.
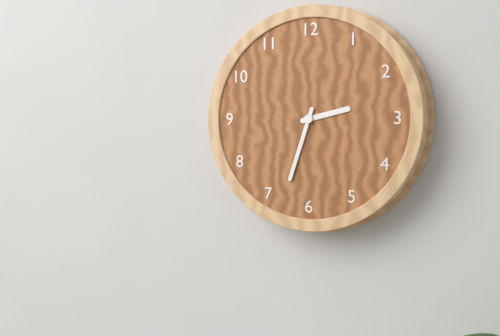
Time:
{"hour": 2, "minute": 33}
